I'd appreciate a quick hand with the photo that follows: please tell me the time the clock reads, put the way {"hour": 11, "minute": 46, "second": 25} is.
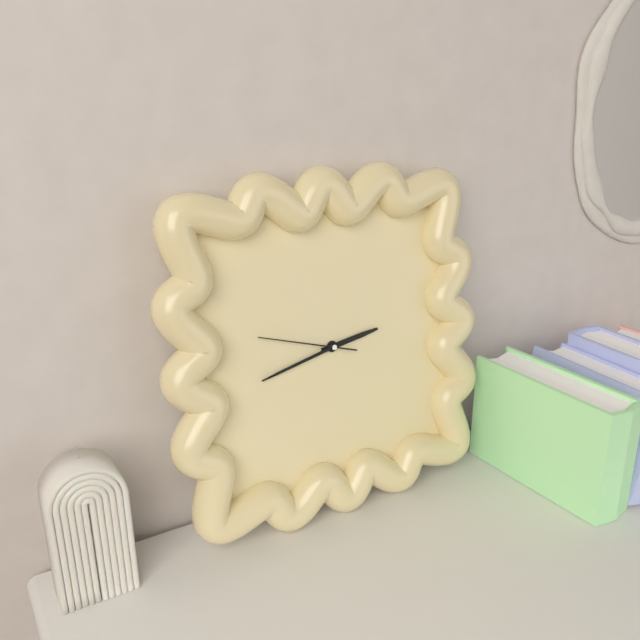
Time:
{"hour": 2, "minute": 43, "second": 48}
